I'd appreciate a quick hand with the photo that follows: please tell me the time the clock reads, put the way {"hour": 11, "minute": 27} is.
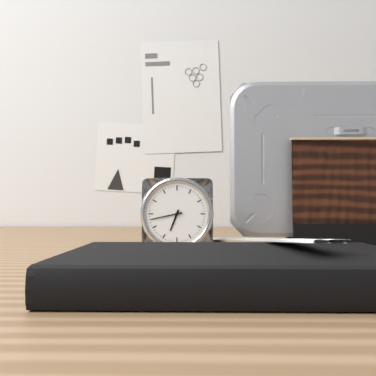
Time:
{"hour": 6, "minute": 43}
